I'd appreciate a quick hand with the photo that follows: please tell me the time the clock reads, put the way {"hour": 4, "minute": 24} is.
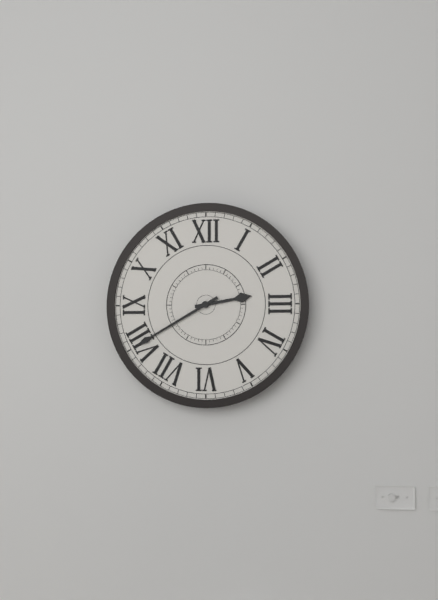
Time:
{"hour": 2, "minute": 40}
